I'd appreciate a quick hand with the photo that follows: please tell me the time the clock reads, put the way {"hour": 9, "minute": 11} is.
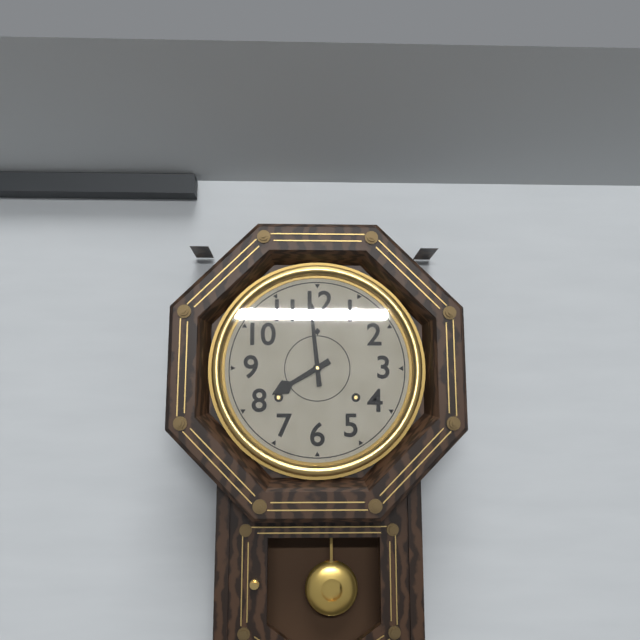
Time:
{"hour": 7, "minute": 59}
